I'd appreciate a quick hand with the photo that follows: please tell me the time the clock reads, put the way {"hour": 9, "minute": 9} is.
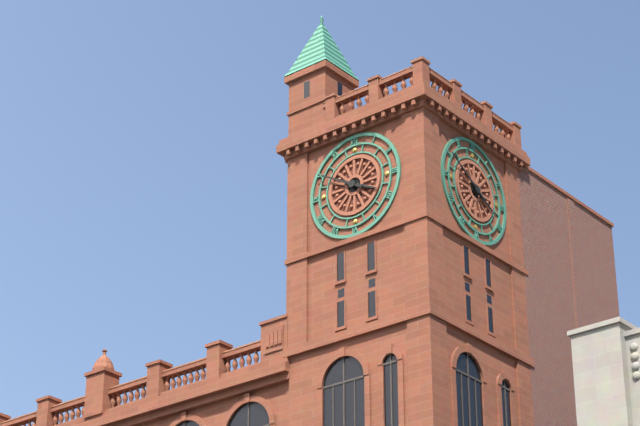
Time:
{"hour": 3, "minute": 50}
